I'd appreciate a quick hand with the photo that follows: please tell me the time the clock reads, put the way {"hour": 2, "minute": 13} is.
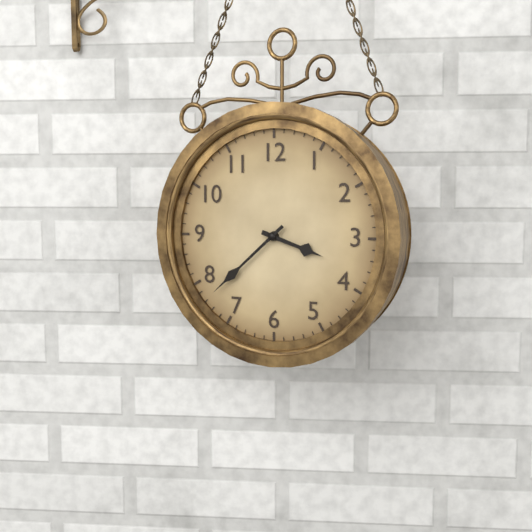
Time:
{"hour": 3, "minute": 38}
